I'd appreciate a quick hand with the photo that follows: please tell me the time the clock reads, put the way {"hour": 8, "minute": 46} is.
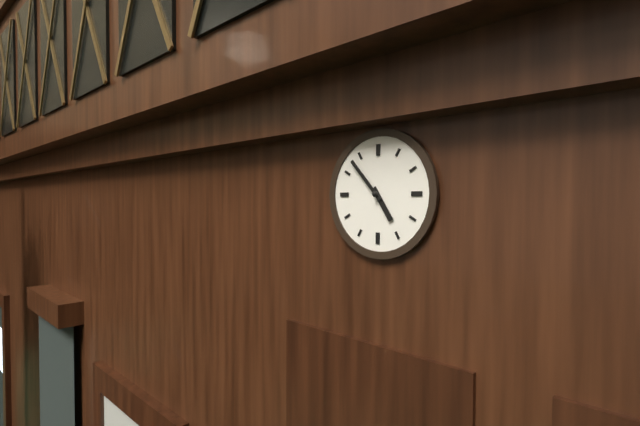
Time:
{"hour": 4, "minute": 53}
